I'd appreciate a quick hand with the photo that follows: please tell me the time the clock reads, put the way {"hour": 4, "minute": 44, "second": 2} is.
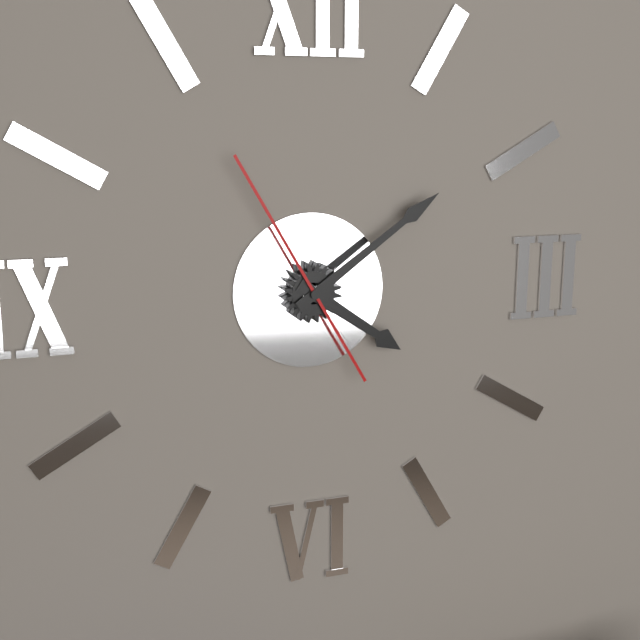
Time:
{"hour": 4, "minute": 9, "second": 55}
